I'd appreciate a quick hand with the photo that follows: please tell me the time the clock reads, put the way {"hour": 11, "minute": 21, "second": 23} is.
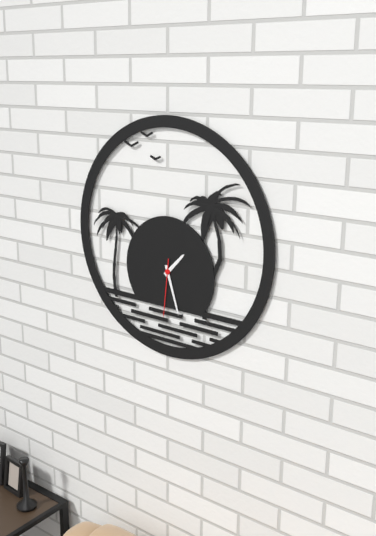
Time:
{"hour": 1, "minute": 27, "second": 31}
